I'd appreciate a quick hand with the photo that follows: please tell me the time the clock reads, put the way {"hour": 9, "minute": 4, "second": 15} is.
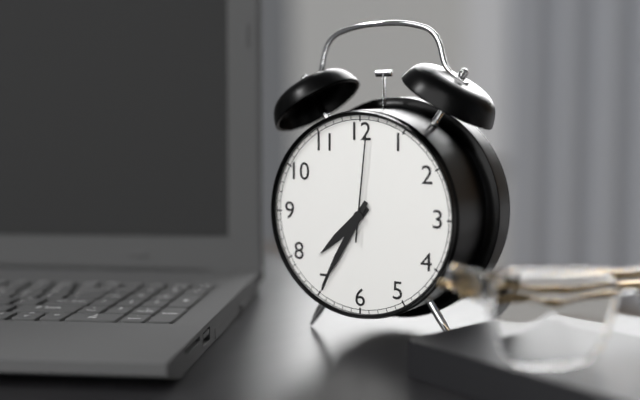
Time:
{"hour": 7, "minute": 35, "second": 1}
